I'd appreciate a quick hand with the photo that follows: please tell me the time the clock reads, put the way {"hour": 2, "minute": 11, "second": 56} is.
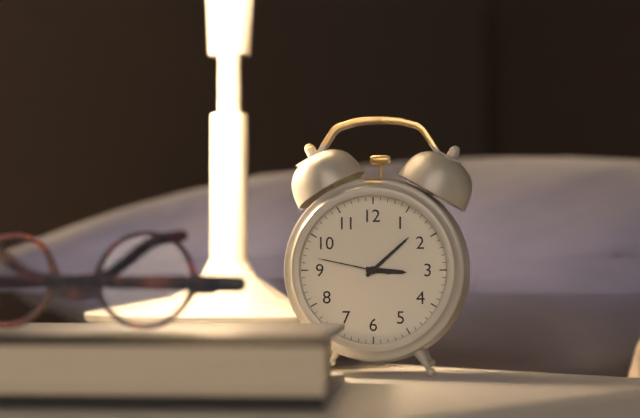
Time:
{"hour": 3, "minute": 8, "second": 47}
